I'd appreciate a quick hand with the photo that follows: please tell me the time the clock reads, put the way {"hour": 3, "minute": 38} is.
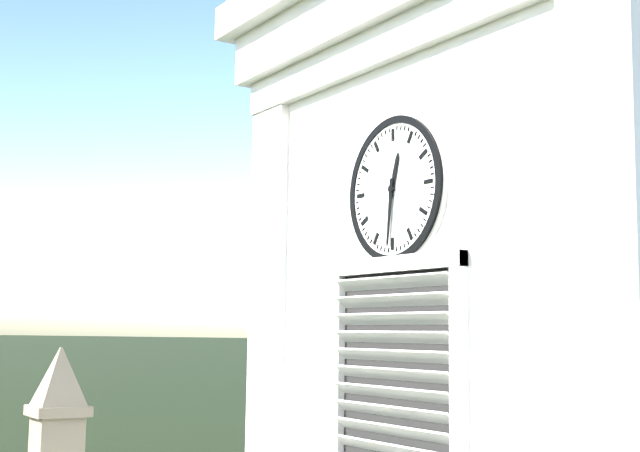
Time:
{"hour": 12, "minute": 31}
